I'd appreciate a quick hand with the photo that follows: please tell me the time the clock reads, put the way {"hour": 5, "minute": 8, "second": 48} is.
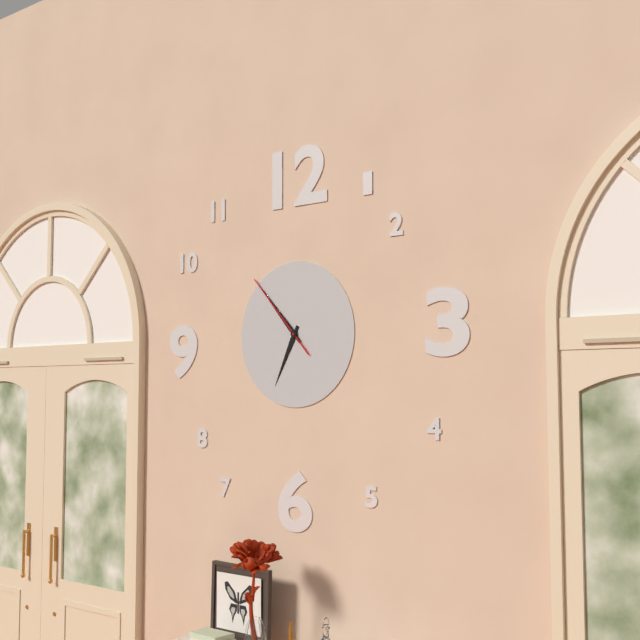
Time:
{"hour": 6, "minute": 53, "second": 53}
